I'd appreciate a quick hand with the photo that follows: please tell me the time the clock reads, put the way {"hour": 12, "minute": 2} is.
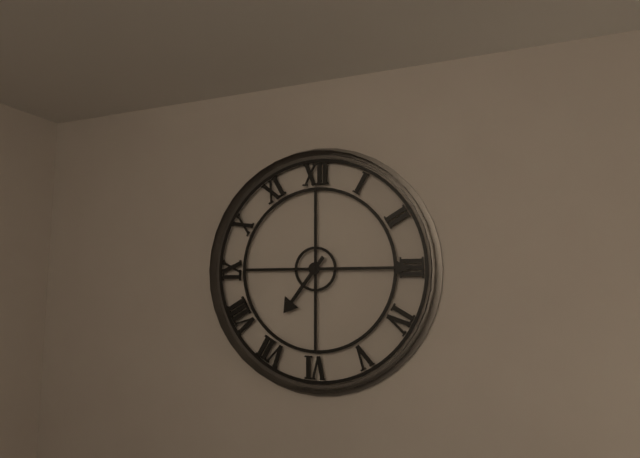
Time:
{"hour": 7, "minute": 15}
